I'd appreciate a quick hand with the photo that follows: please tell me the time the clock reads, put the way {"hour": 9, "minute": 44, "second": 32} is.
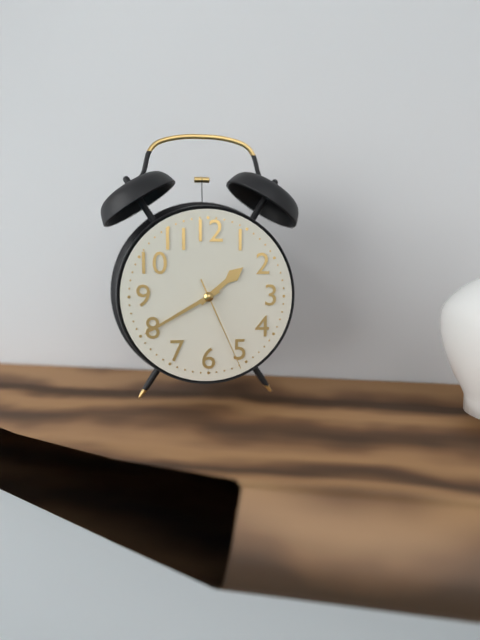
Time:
{"hour": 1, "minute": 40, "second": 26}
